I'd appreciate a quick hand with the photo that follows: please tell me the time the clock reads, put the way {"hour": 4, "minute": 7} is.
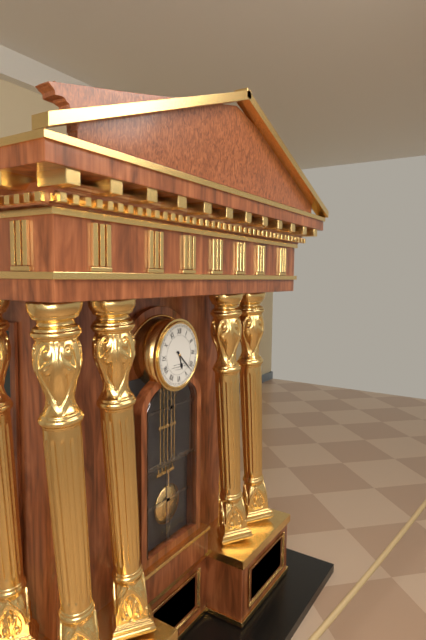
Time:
{"hour": 5, "minute": 22}
